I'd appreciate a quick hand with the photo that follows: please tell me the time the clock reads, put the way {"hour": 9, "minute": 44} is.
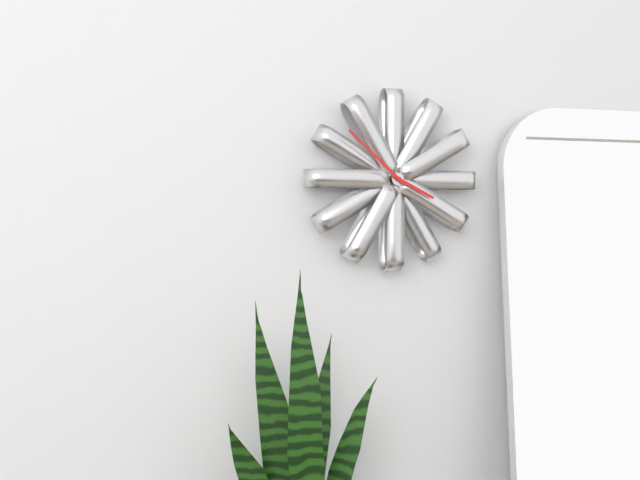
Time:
{"hour": 3, "minute": 52}
